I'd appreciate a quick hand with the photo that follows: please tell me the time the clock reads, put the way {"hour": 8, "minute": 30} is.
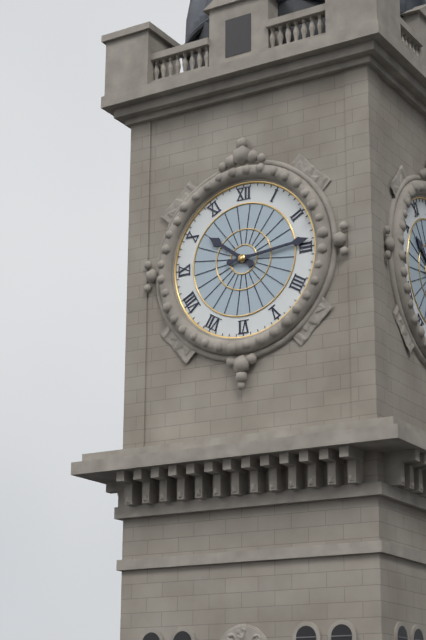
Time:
{"hour": 10, "minute": 14}
